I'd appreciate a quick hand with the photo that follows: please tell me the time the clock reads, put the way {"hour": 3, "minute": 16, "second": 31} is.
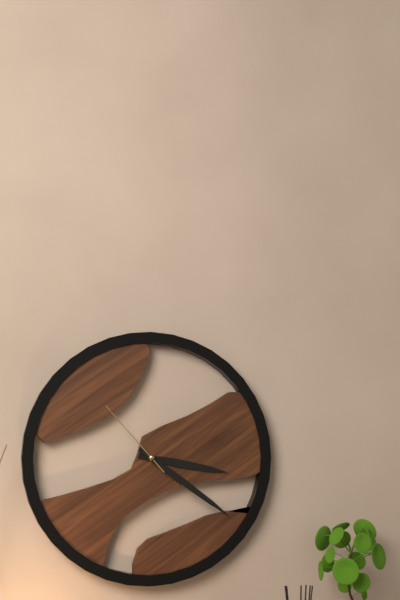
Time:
{"hour": 3, "minute": 21, "second": 53}
